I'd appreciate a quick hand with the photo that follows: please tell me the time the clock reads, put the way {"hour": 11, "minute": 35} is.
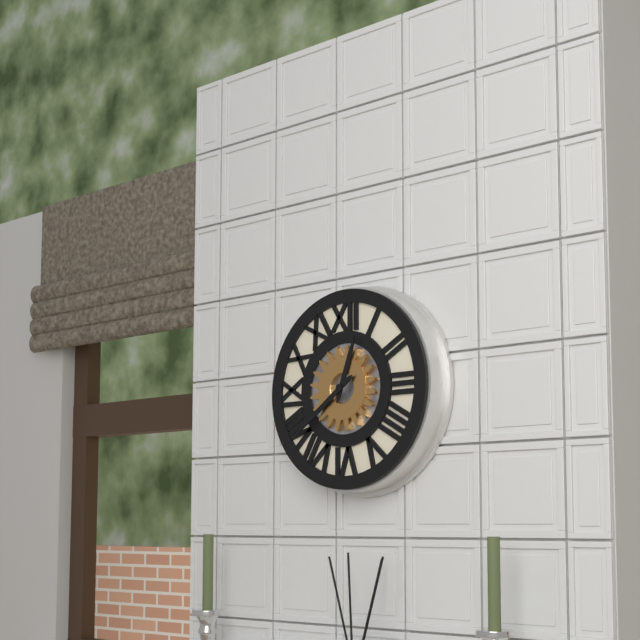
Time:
{"hour": 12, "minute": 39}
